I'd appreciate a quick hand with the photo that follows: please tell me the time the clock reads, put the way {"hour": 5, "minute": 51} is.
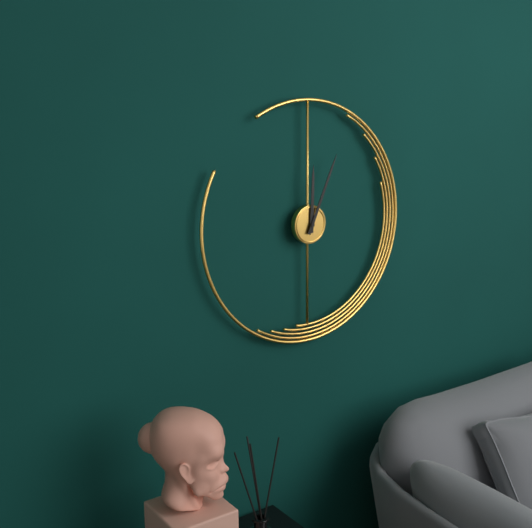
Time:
{"hour": 12, "minute": 4}
